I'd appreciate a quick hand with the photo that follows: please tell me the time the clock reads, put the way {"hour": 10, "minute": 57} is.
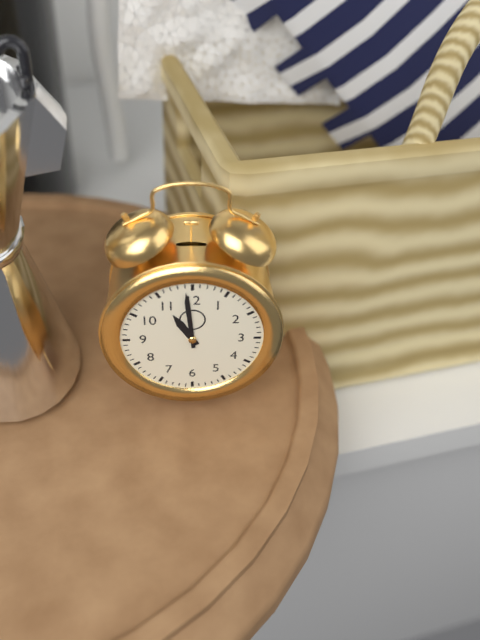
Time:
{"hour": 10, "minute": 59}
